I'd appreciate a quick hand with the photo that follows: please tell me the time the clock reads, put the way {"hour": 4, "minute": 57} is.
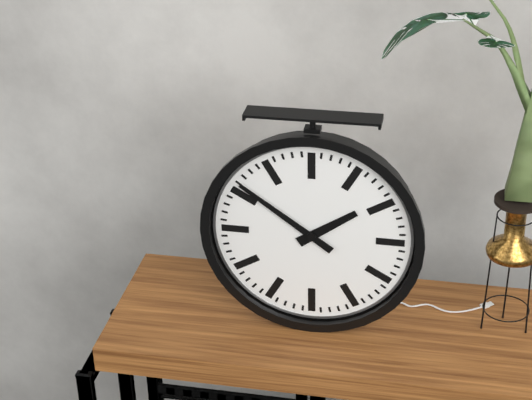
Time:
{"hour": 1, "minute": 51}
